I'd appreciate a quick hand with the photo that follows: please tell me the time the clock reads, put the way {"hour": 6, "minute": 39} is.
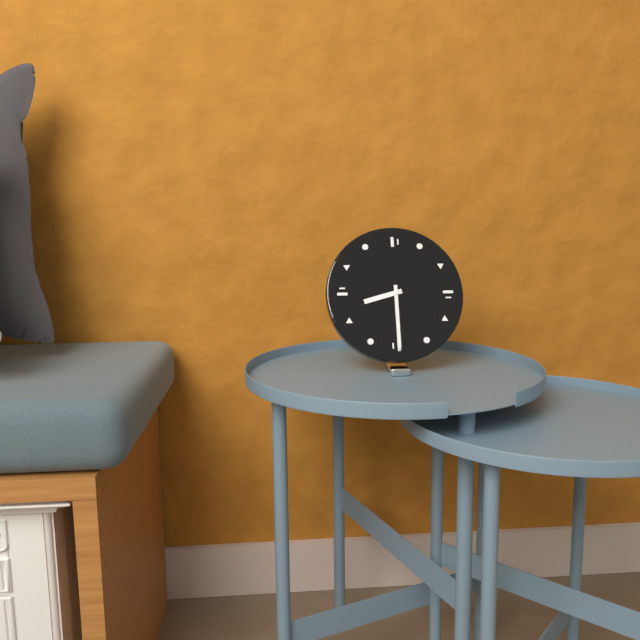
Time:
{"hour": 8, "minute": 30}
